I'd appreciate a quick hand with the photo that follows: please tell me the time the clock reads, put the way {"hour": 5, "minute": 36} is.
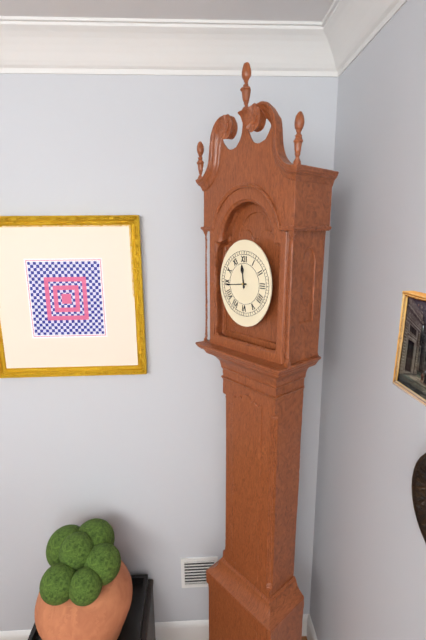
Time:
{"hour": 11, "minute": 44}
